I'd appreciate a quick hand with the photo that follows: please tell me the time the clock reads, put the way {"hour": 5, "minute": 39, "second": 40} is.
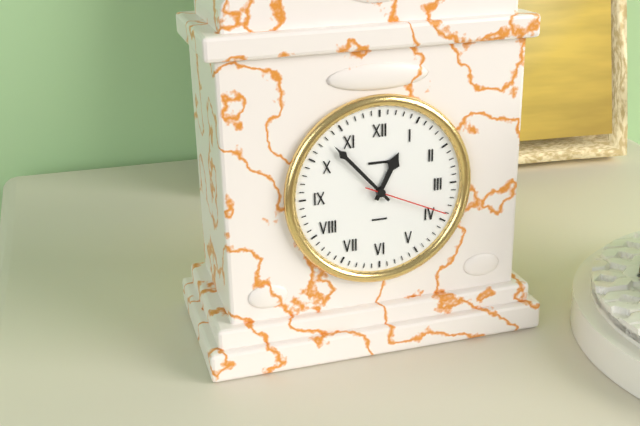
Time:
{"hour": 12, "minute": 53, "second": 19}
